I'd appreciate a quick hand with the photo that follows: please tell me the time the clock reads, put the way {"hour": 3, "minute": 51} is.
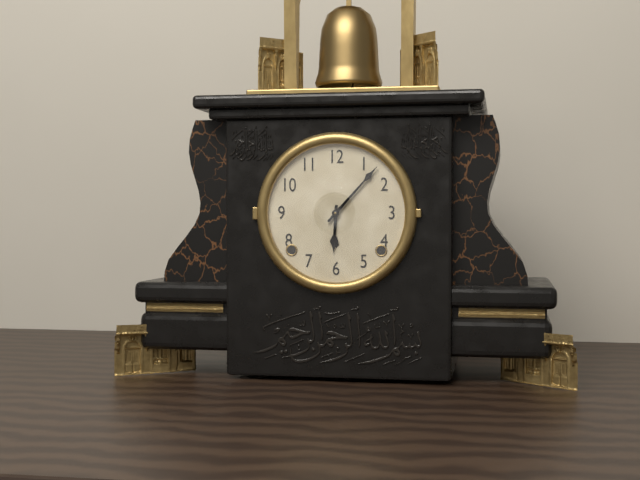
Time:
{"hour": 6, "minute": 7}
